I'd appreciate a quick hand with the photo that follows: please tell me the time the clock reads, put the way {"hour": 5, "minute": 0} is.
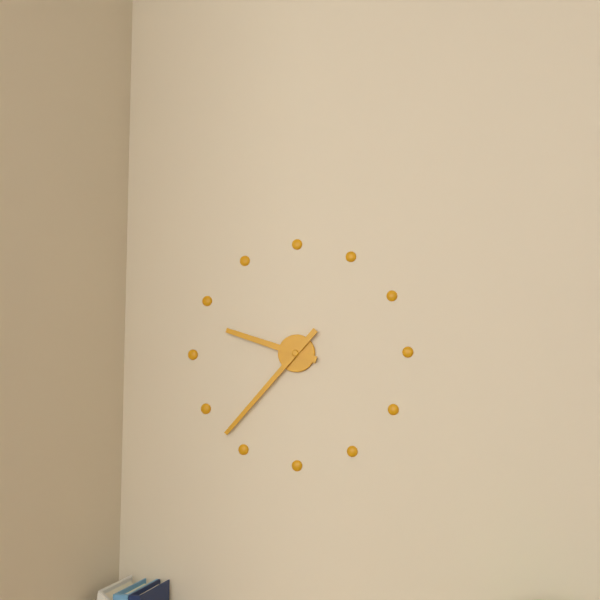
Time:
{"hour": 9, "minute": 37}
